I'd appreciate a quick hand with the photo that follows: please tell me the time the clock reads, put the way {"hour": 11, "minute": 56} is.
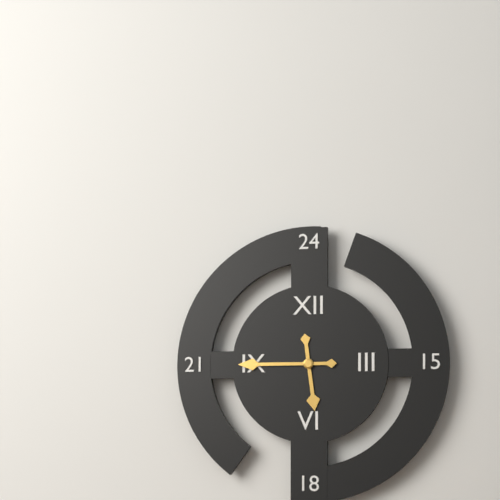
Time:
{"hour": 5, "minute": 45}
